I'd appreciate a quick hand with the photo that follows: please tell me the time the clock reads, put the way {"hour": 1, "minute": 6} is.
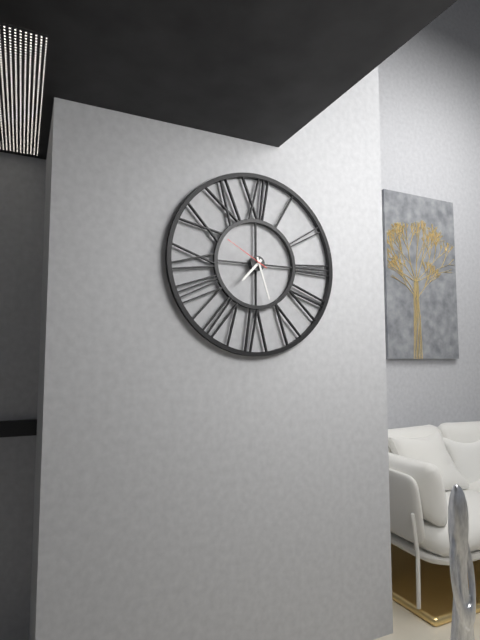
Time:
{"hour": 7, "minute": 27}
